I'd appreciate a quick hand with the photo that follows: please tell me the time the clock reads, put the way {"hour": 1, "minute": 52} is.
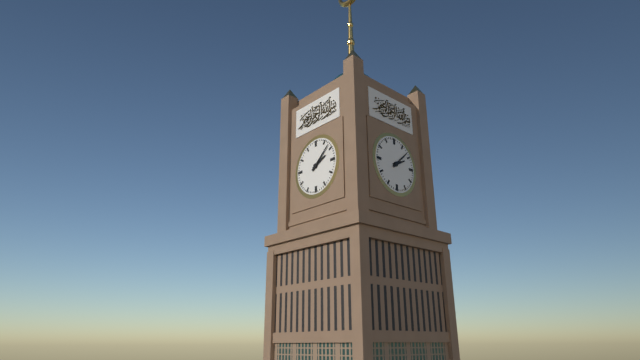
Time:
{"hour": 2, "minute": 8}
